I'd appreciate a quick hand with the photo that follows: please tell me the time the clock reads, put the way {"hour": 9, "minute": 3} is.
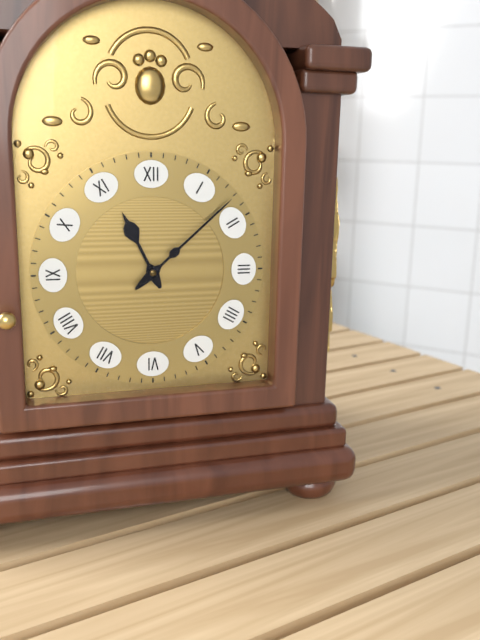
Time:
{"hour": 11, "minute": 8}
